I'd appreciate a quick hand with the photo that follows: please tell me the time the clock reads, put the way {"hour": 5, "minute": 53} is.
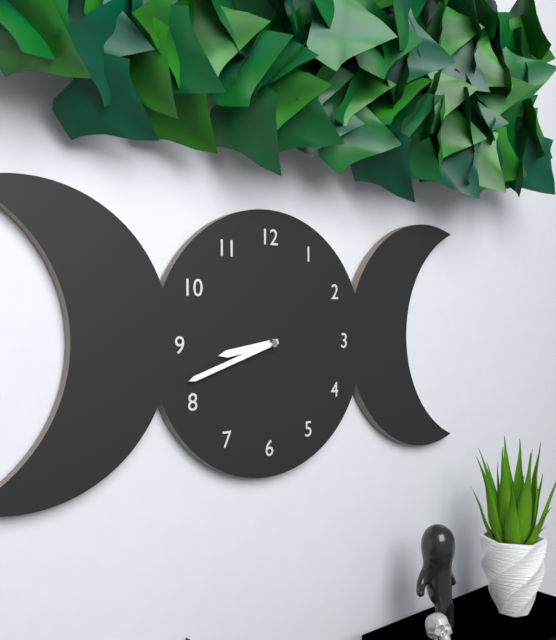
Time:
{"hour": 8, "minute": 42}
